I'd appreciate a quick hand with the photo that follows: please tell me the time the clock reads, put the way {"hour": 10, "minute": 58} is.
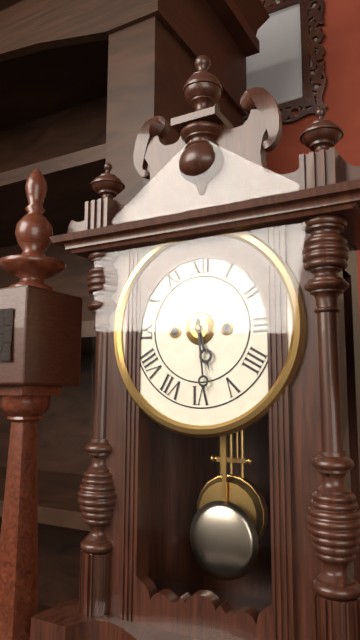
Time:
{"hour": 5, "minute": 29}
